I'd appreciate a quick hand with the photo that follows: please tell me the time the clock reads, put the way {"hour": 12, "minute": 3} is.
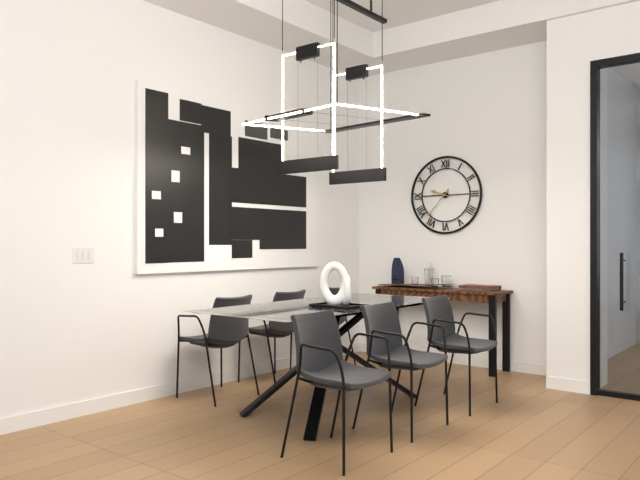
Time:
{"hour": 9, "minute": 37}
